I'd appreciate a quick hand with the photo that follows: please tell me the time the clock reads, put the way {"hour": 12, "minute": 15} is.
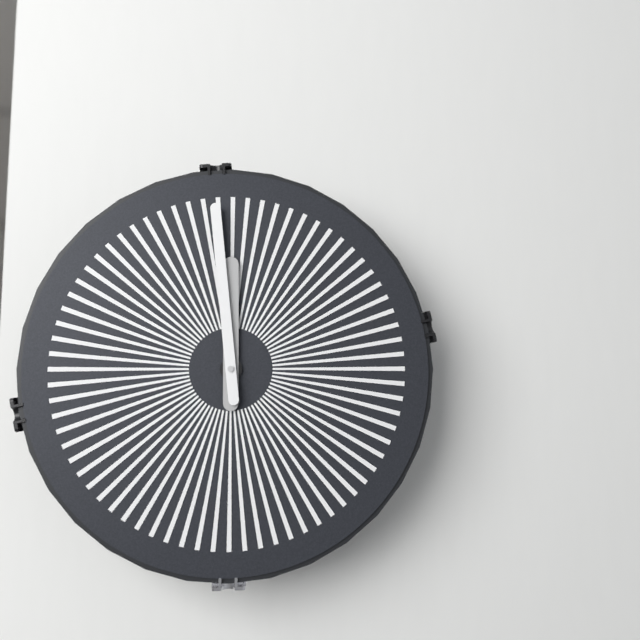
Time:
{"hour": 11, "minute": 59}
